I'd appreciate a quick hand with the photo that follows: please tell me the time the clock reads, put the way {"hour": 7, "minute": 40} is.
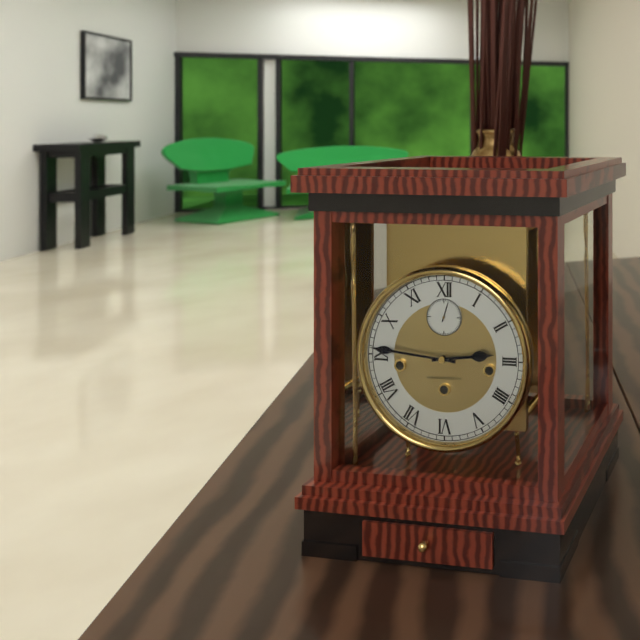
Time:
{"hour": 2, "minute": 46}
